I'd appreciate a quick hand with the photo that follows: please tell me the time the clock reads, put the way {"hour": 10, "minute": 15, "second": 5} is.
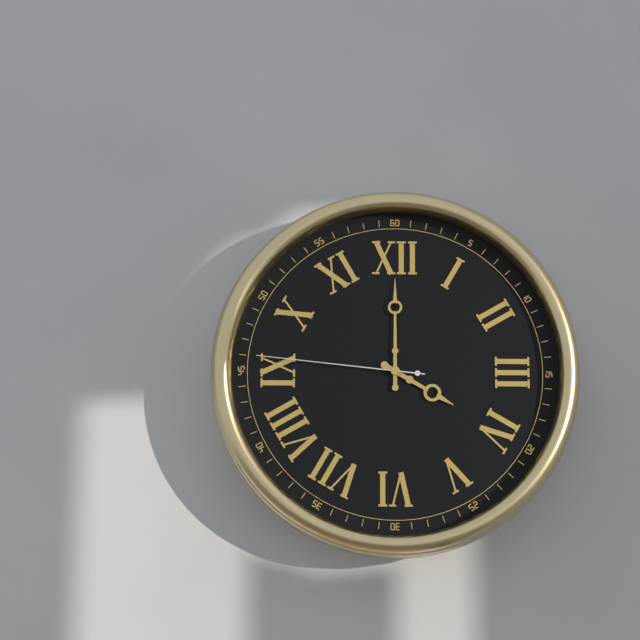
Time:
{"hour": 4, "minute": 0, "second": 46}
